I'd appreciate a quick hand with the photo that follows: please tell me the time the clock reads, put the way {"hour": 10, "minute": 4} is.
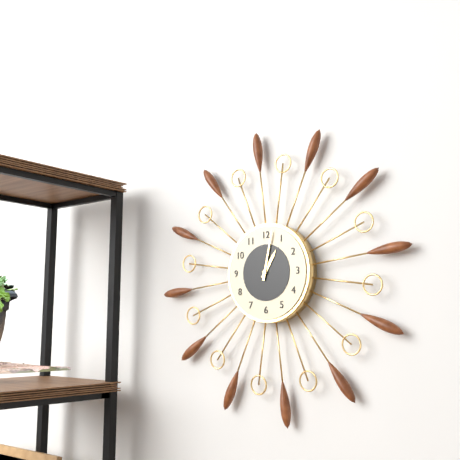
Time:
{"hour": 1, "minute": 2}
